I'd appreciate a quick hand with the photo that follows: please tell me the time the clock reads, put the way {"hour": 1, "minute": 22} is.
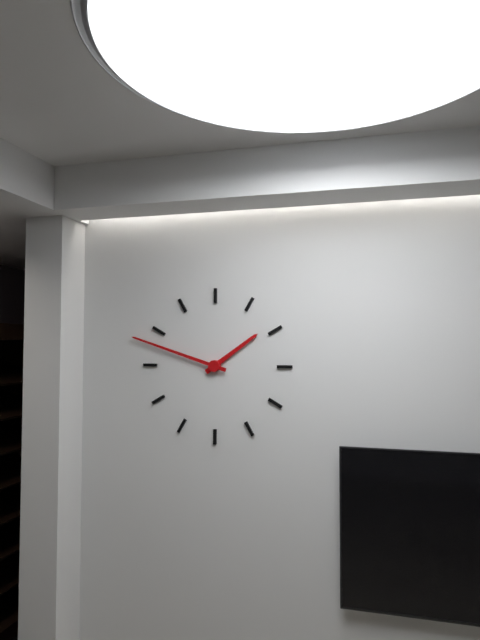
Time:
{"hour": 1, "minute": 48}
